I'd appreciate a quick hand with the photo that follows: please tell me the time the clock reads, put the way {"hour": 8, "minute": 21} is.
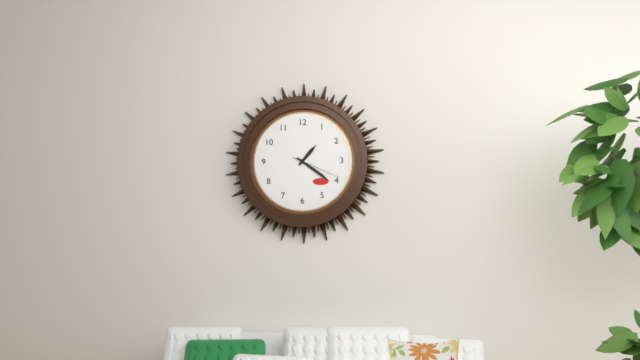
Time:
{"hour": 1, "minute": 21}
